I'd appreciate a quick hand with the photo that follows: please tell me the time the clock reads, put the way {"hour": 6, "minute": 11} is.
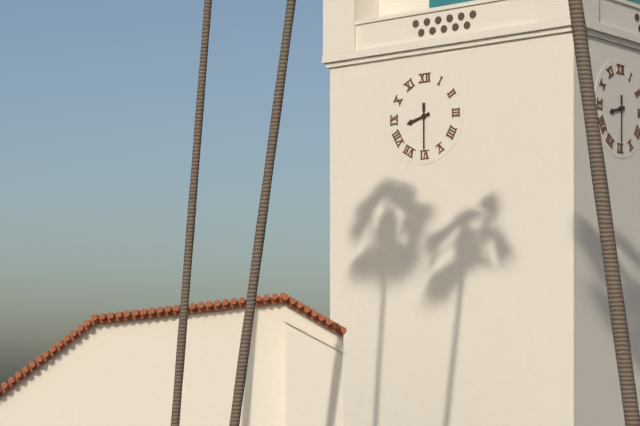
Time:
{"hour": 8, "minute": 30}
